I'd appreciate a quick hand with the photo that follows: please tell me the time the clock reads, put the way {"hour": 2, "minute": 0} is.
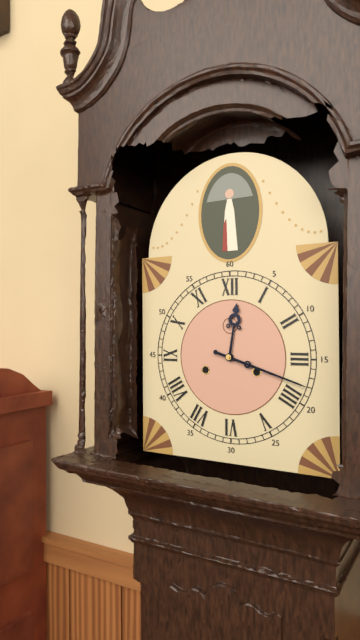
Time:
{"hour": 12, "minute": 18}
